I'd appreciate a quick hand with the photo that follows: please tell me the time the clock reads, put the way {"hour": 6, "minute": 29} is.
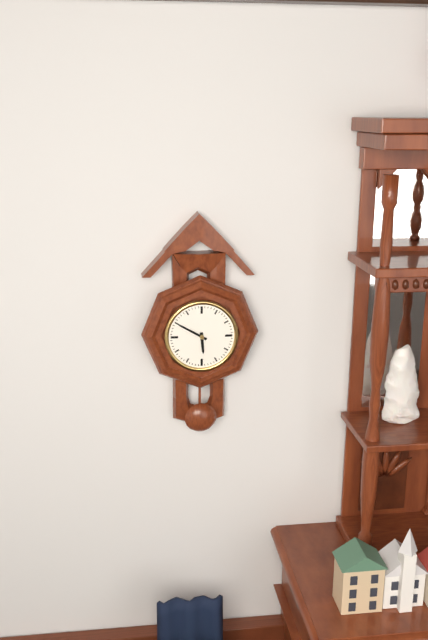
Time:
{"hour": 5, "minute": 50}
